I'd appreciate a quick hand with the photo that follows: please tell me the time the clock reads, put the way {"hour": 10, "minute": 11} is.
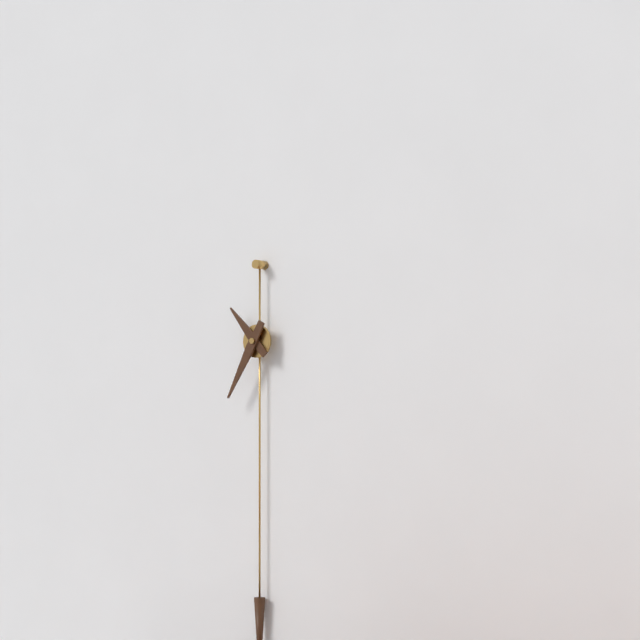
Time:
{"hour": 10, "minute": 35}
